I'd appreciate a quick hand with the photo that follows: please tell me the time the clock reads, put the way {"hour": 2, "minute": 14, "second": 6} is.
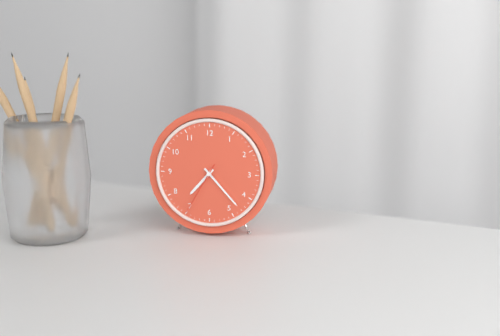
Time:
{"hour": 7, "minute": 23, "second": 35}
